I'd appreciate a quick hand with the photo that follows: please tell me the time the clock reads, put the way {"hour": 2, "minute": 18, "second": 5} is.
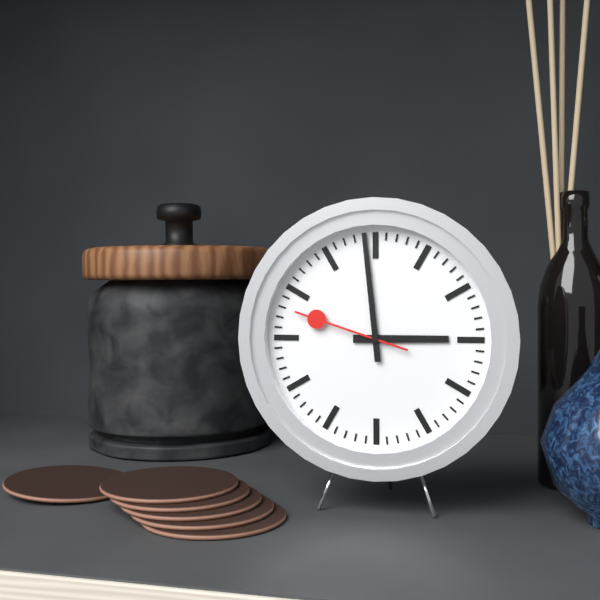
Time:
{"hour": 2, "minute": 59, "second": 48}
